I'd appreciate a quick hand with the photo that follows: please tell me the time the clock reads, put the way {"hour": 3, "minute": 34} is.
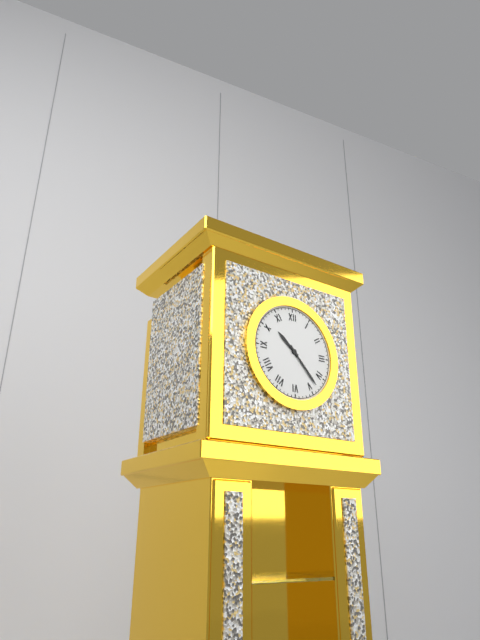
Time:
{"hour": 10, "minute": 23}
